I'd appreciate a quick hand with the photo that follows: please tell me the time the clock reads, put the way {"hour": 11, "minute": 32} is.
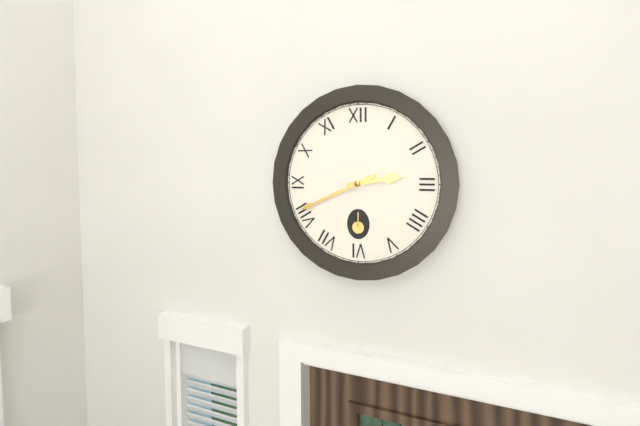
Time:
{"hour": 2, "minute": 41}
